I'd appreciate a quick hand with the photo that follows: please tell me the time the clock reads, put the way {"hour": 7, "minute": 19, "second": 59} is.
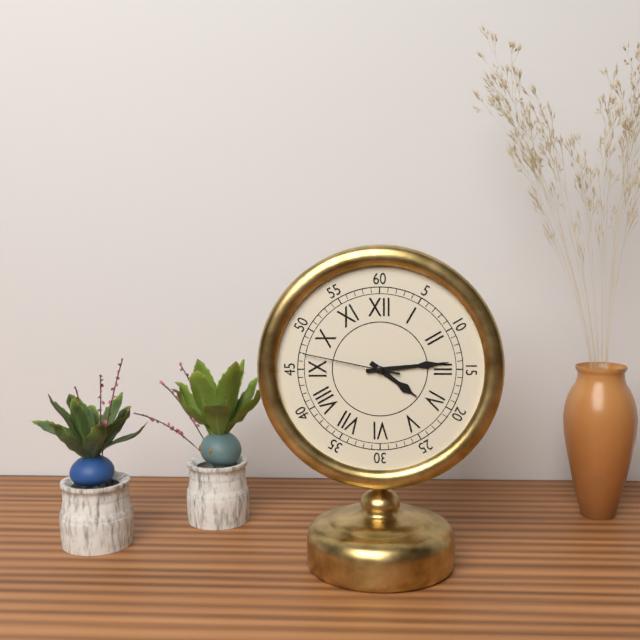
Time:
{"hour": 4, "minute": 14, "second": 47}
